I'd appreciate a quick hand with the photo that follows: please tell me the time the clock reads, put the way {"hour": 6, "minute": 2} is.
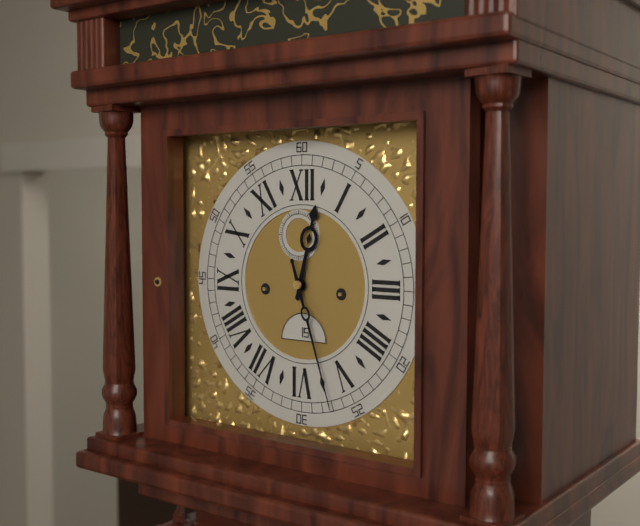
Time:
{"hour": 12, "minute": 27}
